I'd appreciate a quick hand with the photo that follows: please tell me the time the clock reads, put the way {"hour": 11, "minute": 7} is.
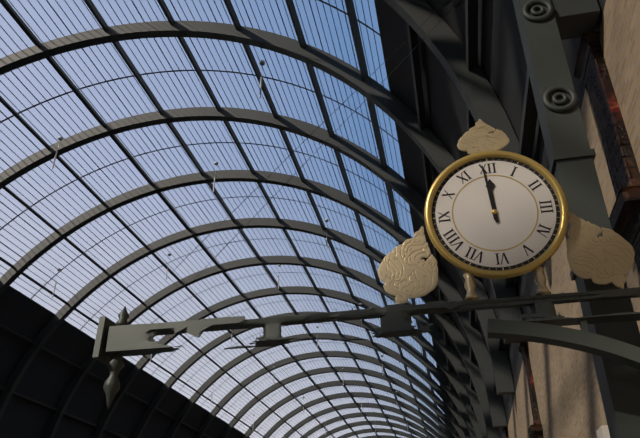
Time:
{"hour": 11, "minute": 59}
